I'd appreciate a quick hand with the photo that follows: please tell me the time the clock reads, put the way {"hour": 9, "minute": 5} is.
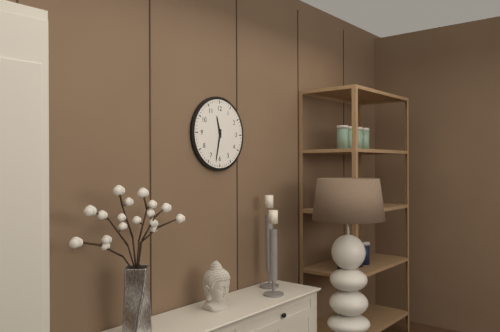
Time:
{"hour": 11, "minute": 32}
